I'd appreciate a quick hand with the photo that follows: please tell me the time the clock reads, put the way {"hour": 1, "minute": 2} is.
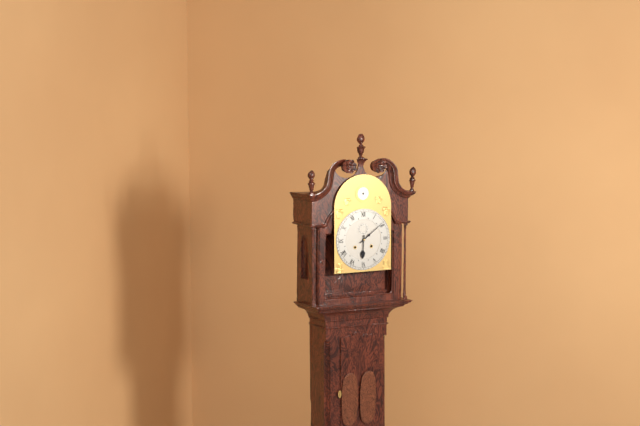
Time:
{"hour": 6, "minute": 9}
